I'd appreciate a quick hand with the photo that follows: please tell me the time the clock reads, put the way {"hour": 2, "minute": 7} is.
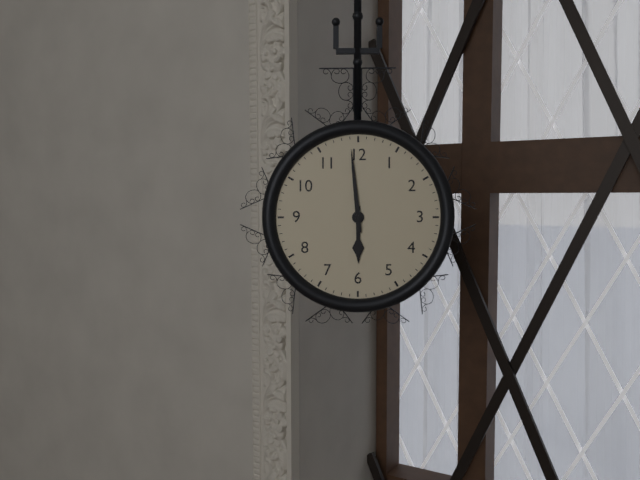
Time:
{"hour": 5, "minute": 59}
